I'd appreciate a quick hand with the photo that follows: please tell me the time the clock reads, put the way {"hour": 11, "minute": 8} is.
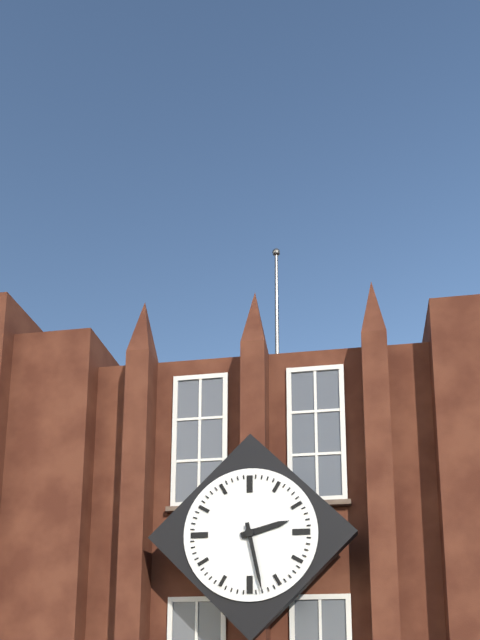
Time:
{"hour": 2, "minute": 28}
